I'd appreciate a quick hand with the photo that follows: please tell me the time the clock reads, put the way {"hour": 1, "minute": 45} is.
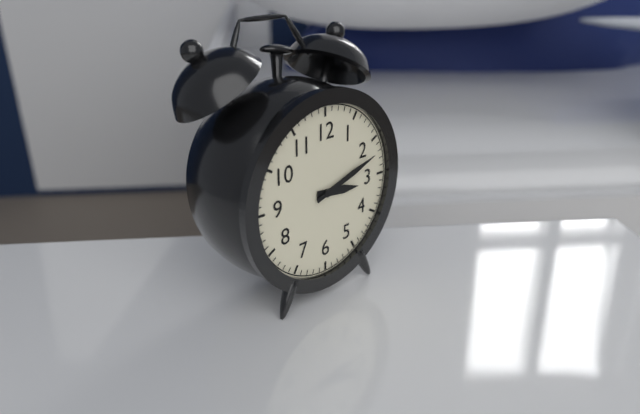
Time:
{"hour": 3, "minute": 12}
